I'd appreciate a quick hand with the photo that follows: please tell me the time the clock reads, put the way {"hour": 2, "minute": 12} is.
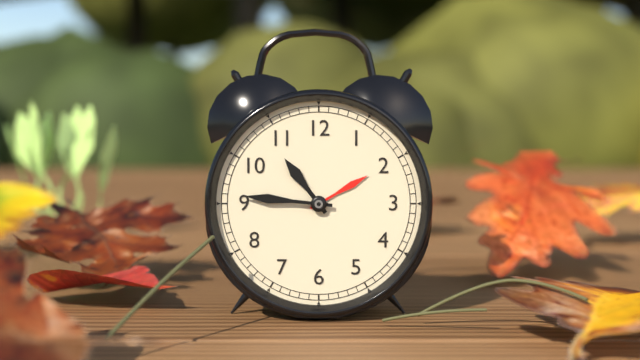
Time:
{"hour": 10, "minute": 46}
